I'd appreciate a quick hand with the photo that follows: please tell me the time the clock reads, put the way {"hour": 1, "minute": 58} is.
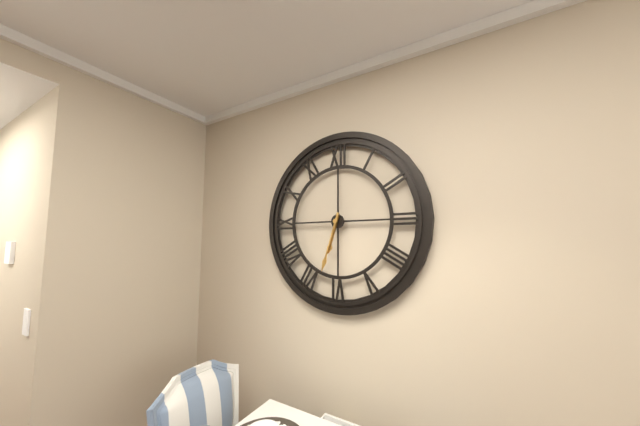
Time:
{"hour": 6, "minute": 33}
